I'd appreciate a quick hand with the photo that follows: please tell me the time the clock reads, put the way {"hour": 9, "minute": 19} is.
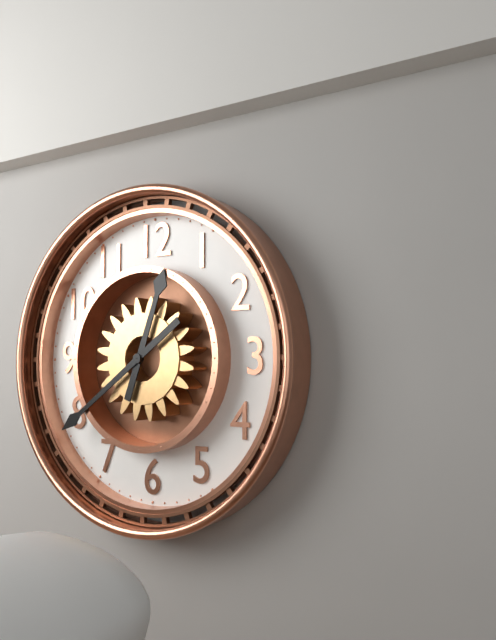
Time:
{"hour": 12, "minute": 39}
